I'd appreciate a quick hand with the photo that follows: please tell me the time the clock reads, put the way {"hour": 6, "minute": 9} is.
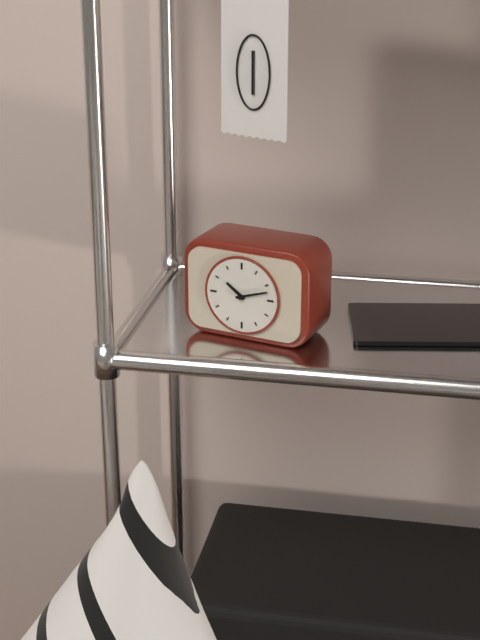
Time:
{"hour": 10, "minute": 12}
